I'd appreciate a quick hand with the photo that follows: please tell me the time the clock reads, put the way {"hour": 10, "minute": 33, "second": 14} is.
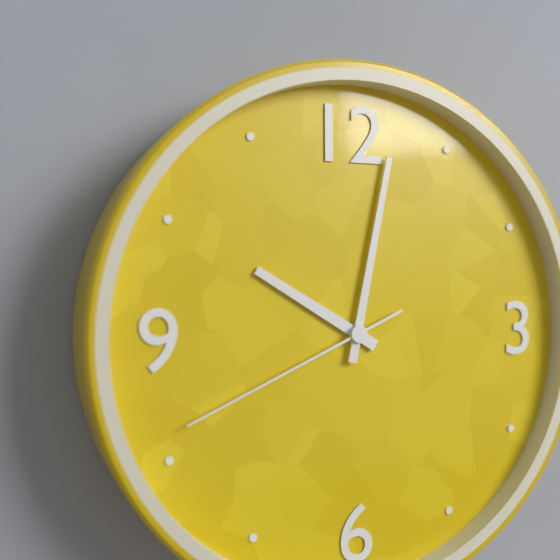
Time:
{"hour": 10, "minute": 2, "second": 41}
